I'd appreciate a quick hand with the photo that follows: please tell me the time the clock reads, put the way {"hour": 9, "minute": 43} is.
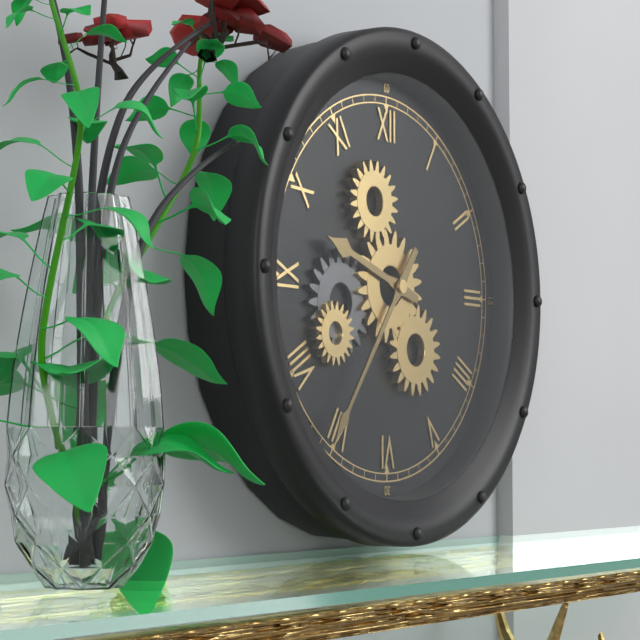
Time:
{"hour": 9, "minute": 36}
